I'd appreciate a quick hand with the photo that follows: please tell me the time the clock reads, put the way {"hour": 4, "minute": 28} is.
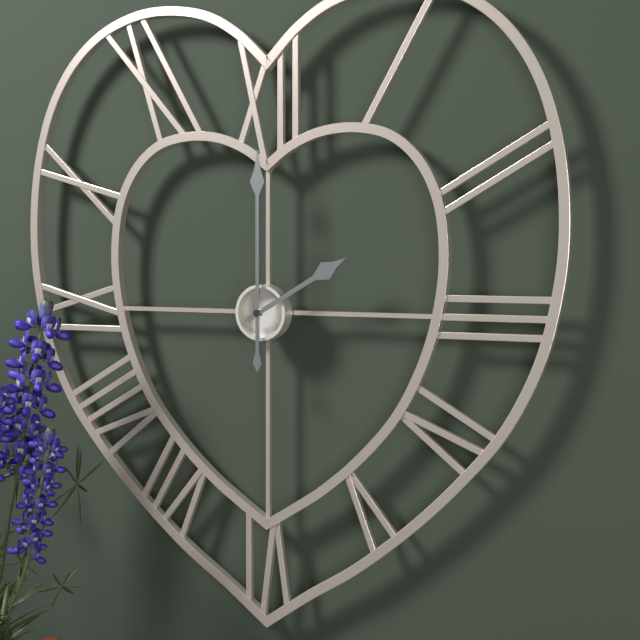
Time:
{"hour": 2, "minute": 0}
